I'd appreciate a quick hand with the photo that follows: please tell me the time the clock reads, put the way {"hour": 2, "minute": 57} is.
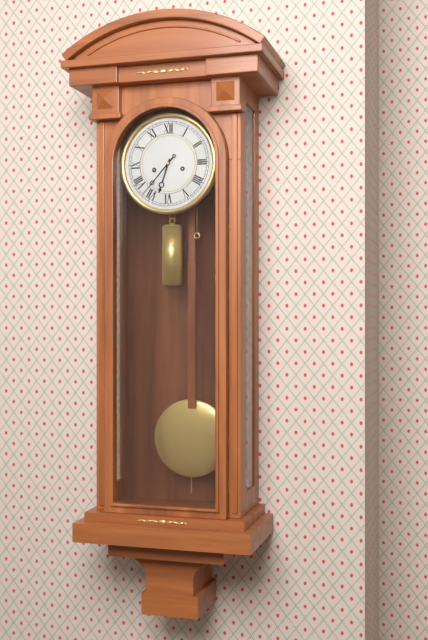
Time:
{"hour": 6, "minute": 37}
